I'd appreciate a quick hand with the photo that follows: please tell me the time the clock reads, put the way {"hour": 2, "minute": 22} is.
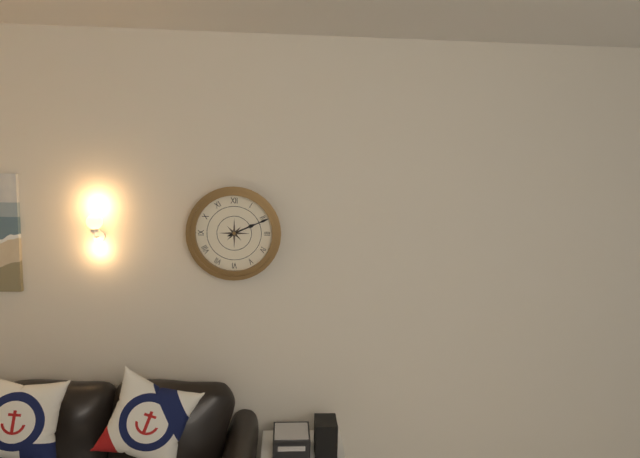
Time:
{"hour": 2, "minute": 11}
